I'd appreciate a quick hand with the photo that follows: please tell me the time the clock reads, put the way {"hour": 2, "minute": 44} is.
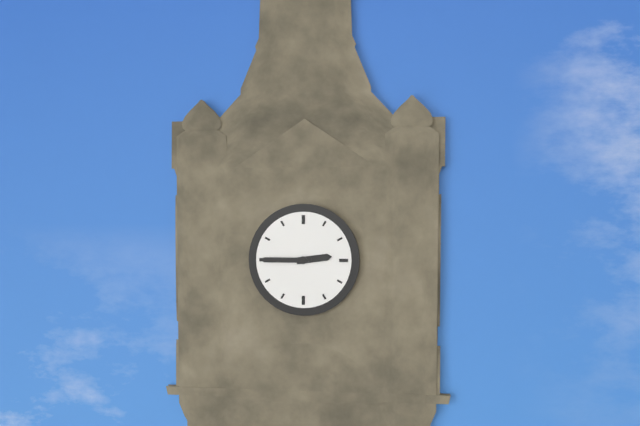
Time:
{"hour": 2, "minute": 45}
